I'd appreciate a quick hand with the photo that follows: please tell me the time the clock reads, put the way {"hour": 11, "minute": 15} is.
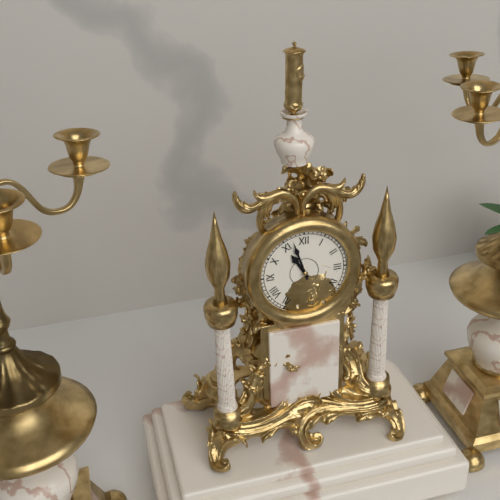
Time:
{"hour": 10, "minute": 57}
